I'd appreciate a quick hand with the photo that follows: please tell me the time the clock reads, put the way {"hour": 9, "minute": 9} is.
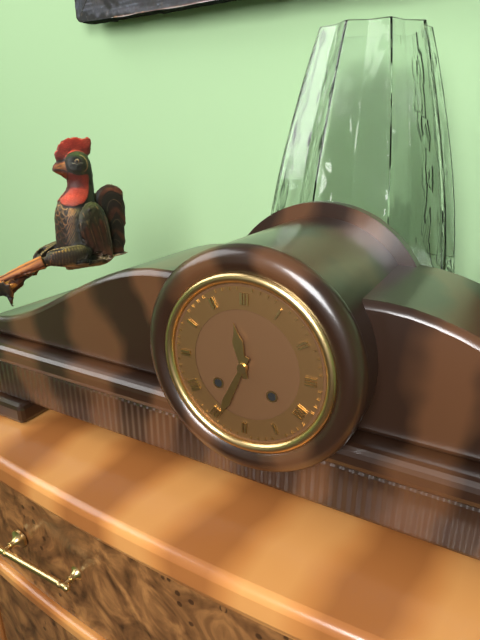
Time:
{"hour": 11, "minute": 34}
